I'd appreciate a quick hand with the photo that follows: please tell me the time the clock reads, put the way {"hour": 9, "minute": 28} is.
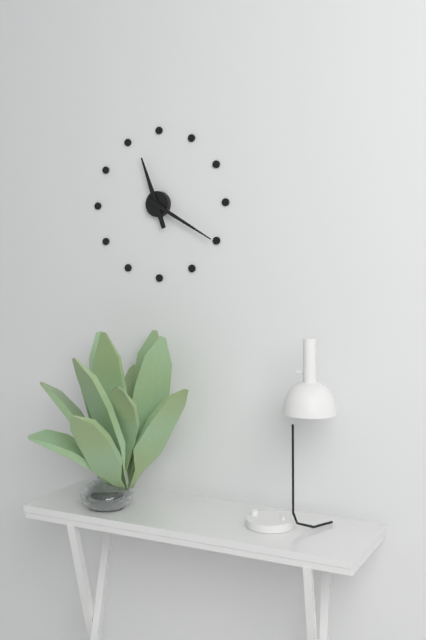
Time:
{"hour": 11, "minute": 20}
